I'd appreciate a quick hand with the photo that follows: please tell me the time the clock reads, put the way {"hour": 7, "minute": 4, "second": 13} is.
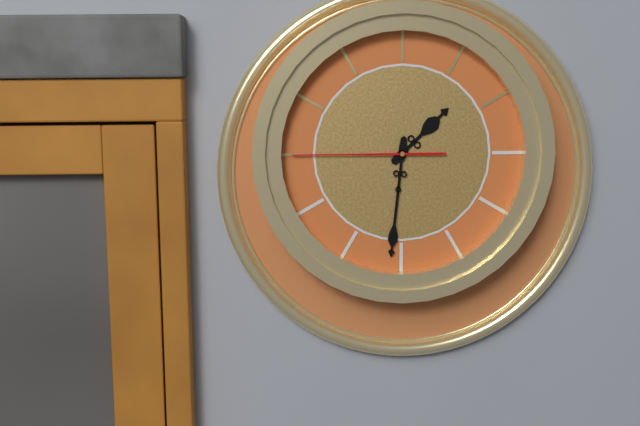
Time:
{"hour": 1, "minute": 31, "second": 45}
